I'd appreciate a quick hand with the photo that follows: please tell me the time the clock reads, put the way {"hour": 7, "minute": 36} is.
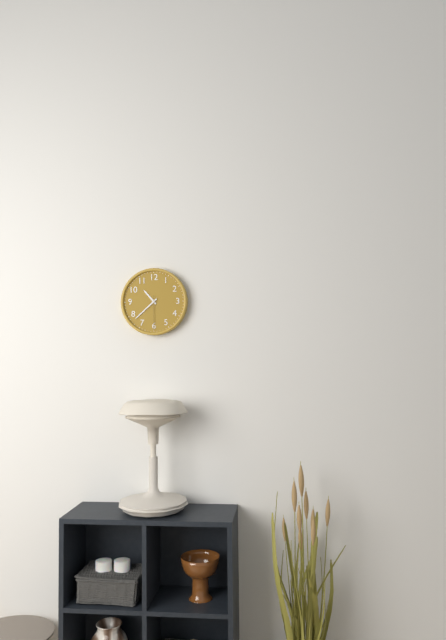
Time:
{"hour": 10, "minute": 38}
